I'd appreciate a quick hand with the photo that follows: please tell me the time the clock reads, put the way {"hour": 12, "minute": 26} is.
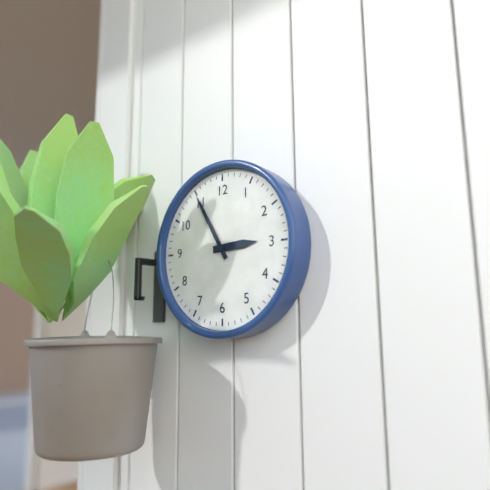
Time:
{"hour": 2, "minute": 55}
